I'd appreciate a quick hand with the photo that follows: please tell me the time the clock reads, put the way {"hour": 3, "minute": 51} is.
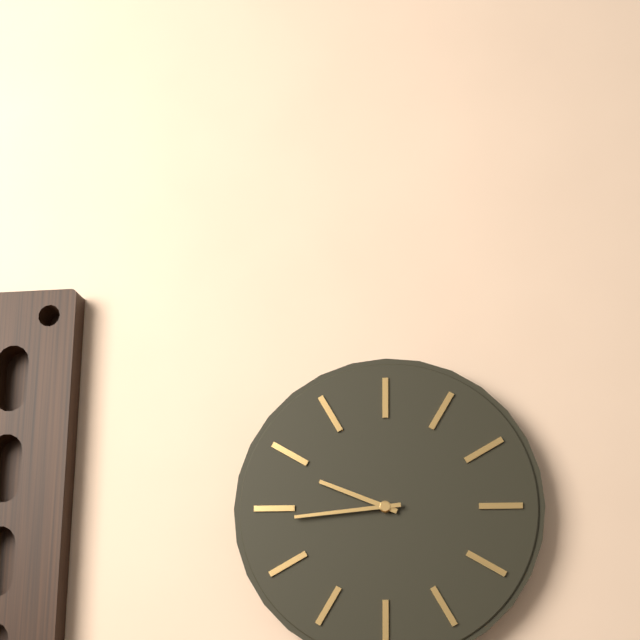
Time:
{"hour": 9, "minute": 44}
